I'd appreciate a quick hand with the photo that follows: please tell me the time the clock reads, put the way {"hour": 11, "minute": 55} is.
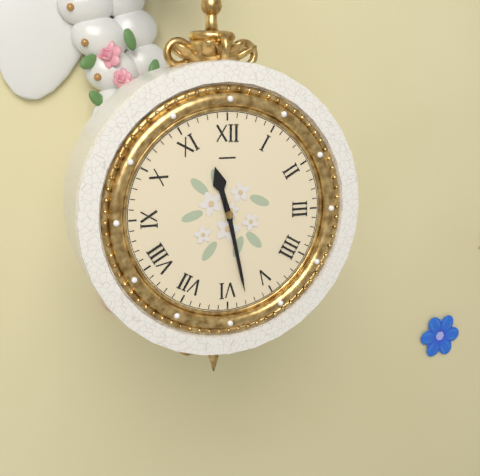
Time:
{"hour": 11, "minute": 28}
